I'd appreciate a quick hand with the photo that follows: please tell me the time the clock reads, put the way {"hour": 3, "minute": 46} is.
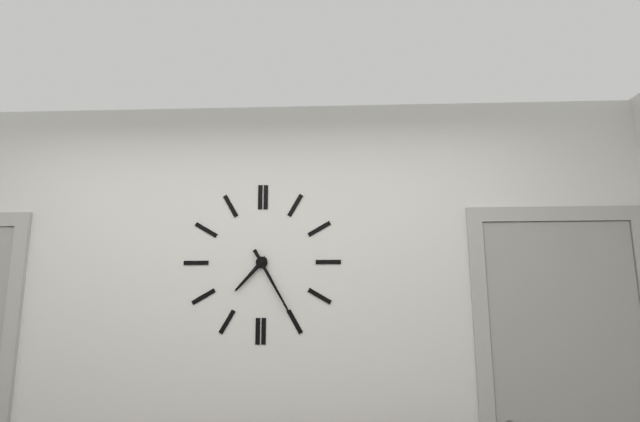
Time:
{"hour": 7, "minute": 25}
